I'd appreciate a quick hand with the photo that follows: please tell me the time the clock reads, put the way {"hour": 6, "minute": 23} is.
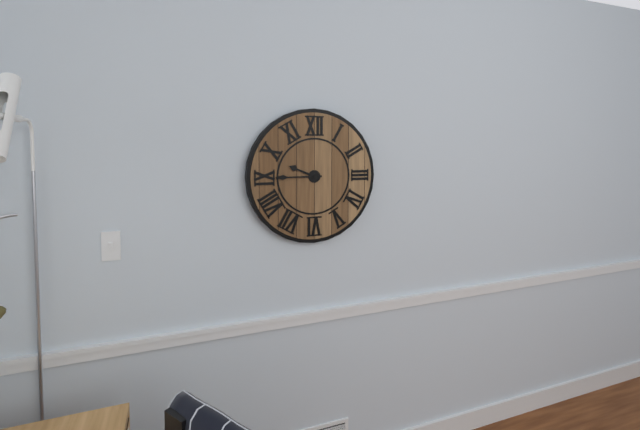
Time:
{"hour": 9, "minute": 45}
